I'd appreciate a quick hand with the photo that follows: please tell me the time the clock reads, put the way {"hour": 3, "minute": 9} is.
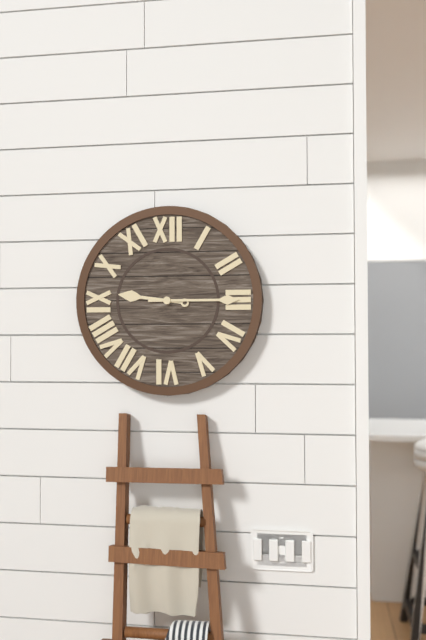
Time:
{"hour": 9, "minute": 15}
